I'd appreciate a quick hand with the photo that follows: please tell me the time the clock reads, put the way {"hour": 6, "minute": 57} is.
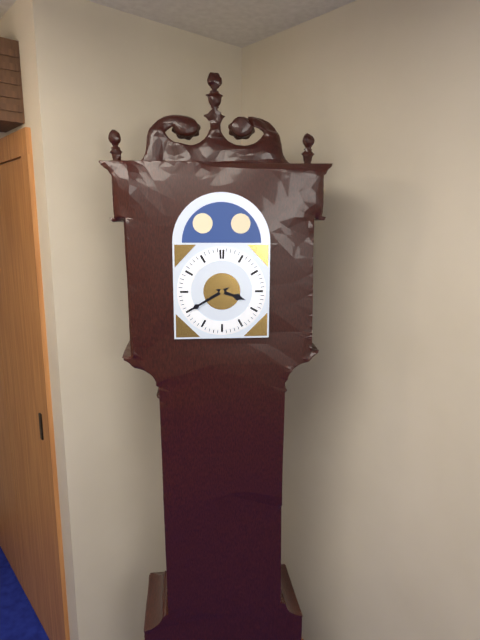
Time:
{"hour": 3, "minute": 40}
